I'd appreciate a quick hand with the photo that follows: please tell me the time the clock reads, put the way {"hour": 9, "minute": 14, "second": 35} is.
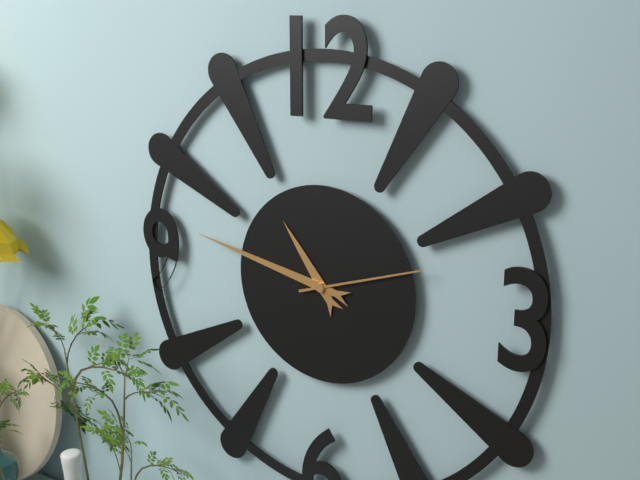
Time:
{"hour": 10, "minute": 47, "second": 12}
